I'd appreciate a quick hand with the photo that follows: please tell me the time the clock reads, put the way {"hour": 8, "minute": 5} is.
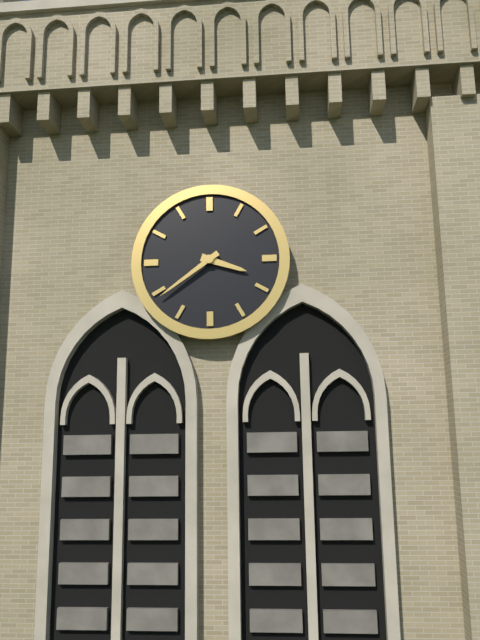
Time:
{"hour": 3, "minute": 39}
